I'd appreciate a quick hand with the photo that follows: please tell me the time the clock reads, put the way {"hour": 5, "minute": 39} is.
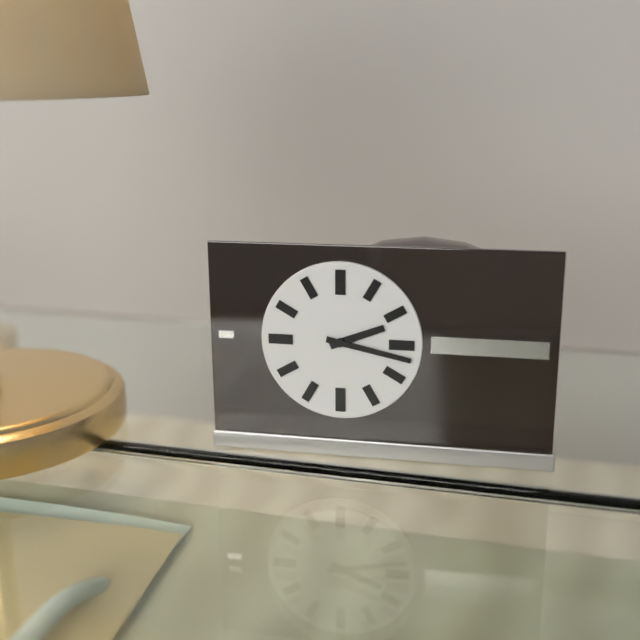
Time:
{"hour": 2, "minute": 17}
